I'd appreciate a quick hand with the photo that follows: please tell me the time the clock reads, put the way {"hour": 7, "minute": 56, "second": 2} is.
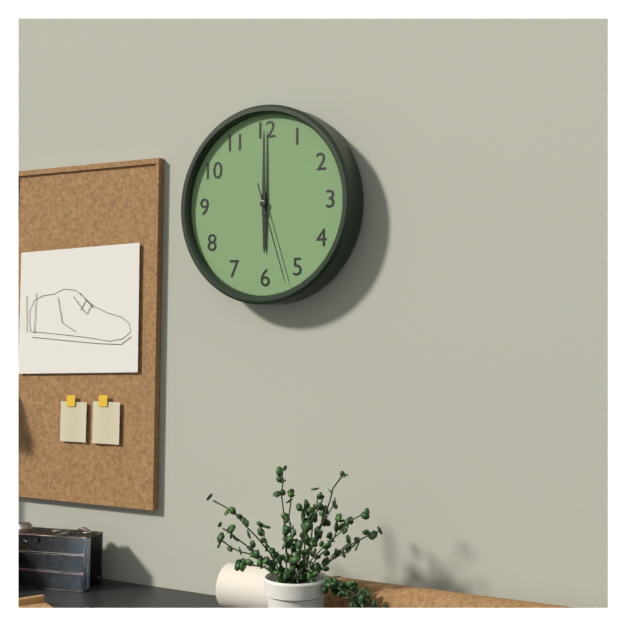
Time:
{"hour": 6, "minute": 0, "second": 27}
